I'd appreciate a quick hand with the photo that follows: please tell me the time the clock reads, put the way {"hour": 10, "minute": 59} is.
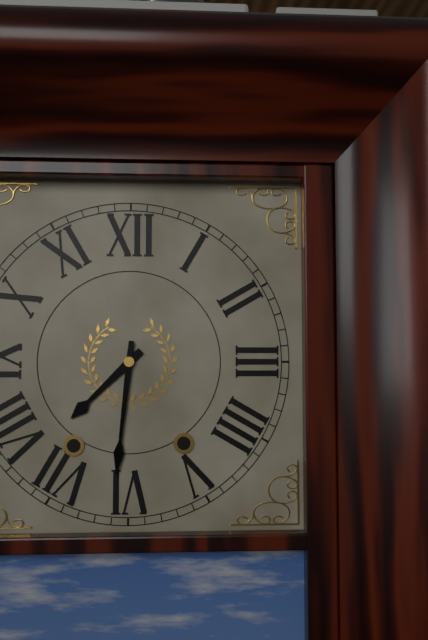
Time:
{"hour": 7, "minute": 31}
